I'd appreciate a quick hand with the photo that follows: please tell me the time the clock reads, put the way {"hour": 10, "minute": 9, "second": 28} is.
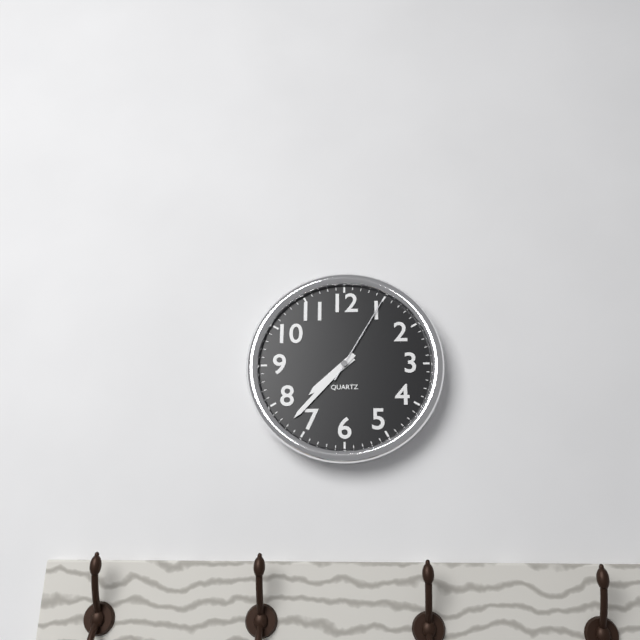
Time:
{"hour": 7, "minute": 37, "second": 5}
